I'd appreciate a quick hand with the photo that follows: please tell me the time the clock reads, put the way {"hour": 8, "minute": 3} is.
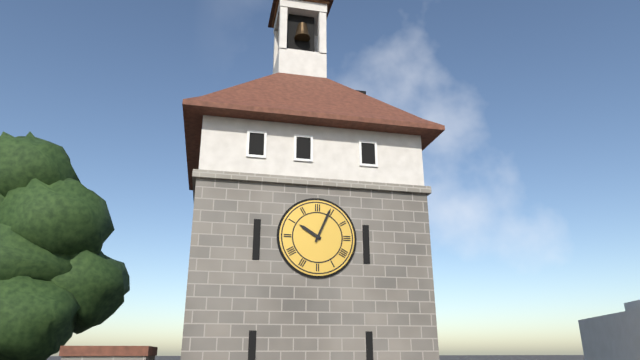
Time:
{"hour": 10, "minute": 4}
